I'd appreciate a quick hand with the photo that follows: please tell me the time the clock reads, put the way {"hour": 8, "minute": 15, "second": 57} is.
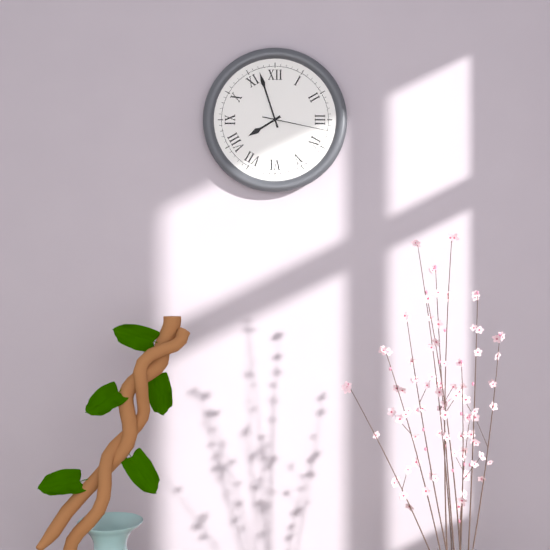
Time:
{"hour": 7, "minute": 57, "second": 17}
